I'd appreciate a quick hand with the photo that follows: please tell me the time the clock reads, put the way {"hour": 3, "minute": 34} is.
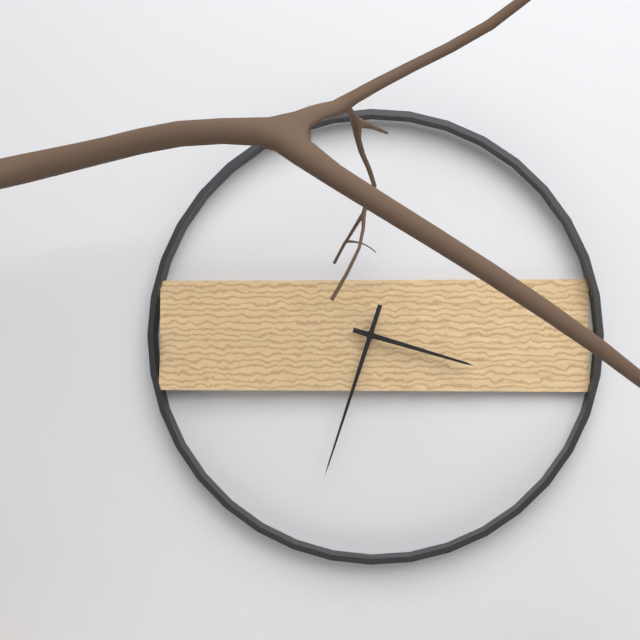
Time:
{"hour": 3, "minute": 33}
